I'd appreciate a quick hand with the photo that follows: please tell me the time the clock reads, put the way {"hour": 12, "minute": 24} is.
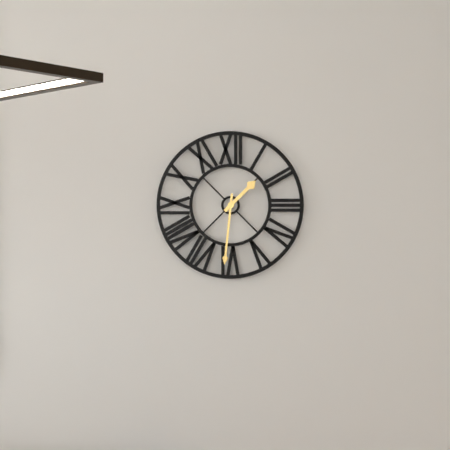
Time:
{"hour": 1, "minute": 31}
